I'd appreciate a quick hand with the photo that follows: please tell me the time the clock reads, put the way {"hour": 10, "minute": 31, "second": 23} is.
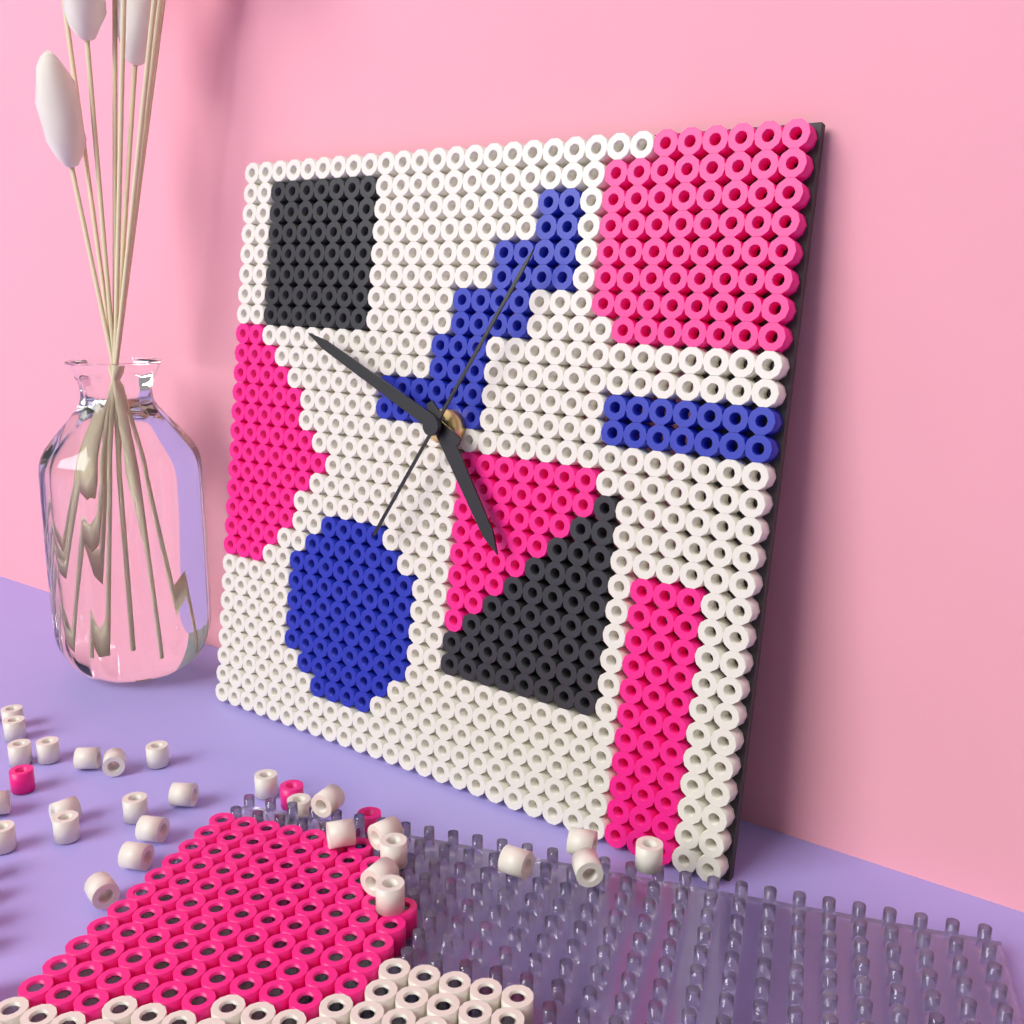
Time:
{"hour": 4, "minute": 49, "second": 5}
